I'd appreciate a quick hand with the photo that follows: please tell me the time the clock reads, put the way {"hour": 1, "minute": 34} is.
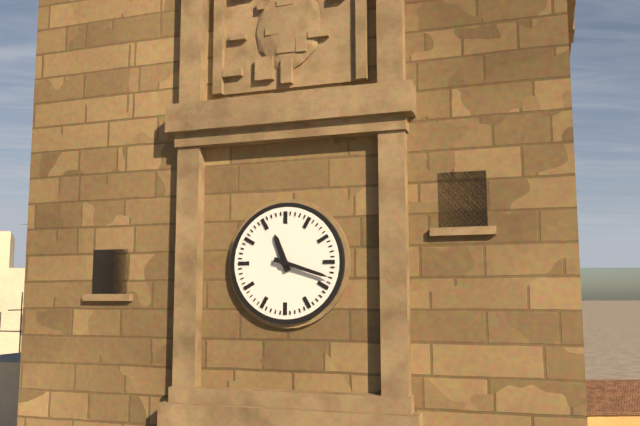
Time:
{"hour": 11, "minute": 18}
